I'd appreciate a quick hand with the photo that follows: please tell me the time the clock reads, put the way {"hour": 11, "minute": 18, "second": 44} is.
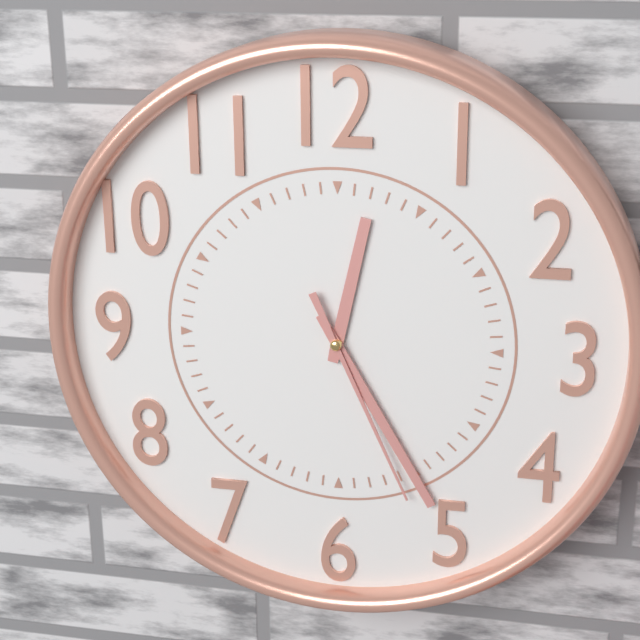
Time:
{"hour": 12, "minute": 25, "second": 26}
